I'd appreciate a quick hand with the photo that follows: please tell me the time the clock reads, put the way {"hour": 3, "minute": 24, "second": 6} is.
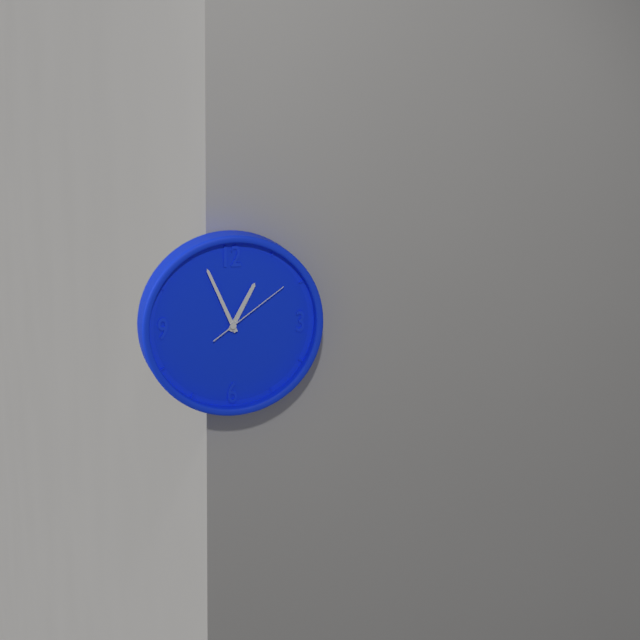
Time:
{"hour": 12, "minute": 56, "second": 9}
